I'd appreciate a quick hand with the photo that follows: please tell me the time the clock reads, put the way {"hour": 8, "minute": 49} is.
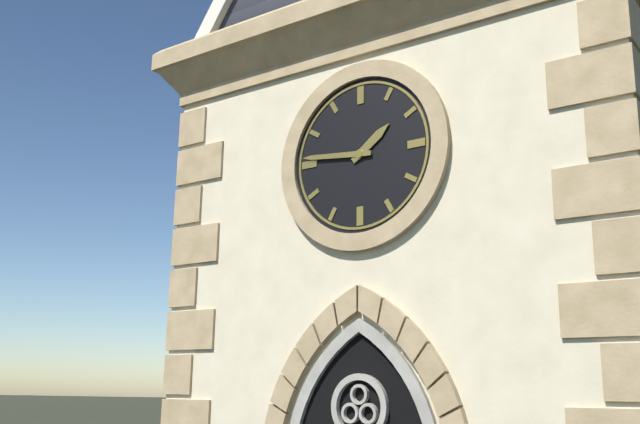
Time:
{"hour": 1, "minute": 46}
